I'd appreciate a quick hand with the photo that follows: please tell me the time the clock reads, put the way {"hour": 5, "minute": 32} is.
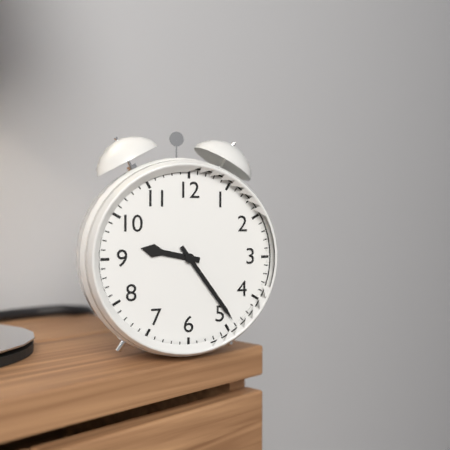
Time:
{"hour": 9, "minute": 24}
